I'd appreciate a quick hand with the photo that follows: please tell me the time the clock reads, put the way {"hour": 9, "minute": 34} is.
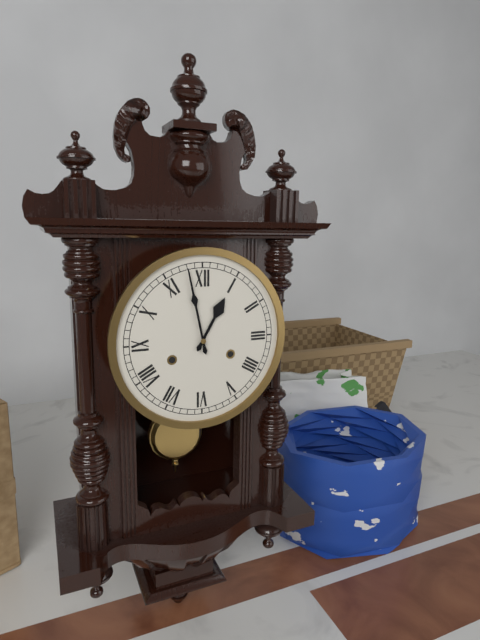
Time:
{"hour": 12, "minute": 58}
